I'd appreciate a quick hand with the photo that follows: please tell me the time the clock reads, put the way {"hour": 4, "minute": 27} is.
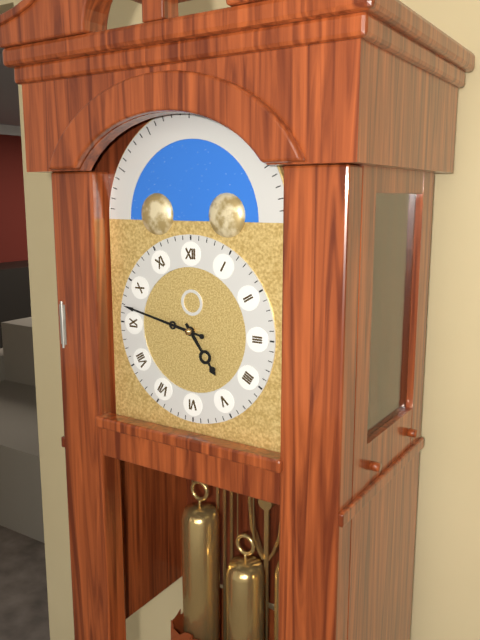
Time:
{"hour": 4, "minute": 47}
